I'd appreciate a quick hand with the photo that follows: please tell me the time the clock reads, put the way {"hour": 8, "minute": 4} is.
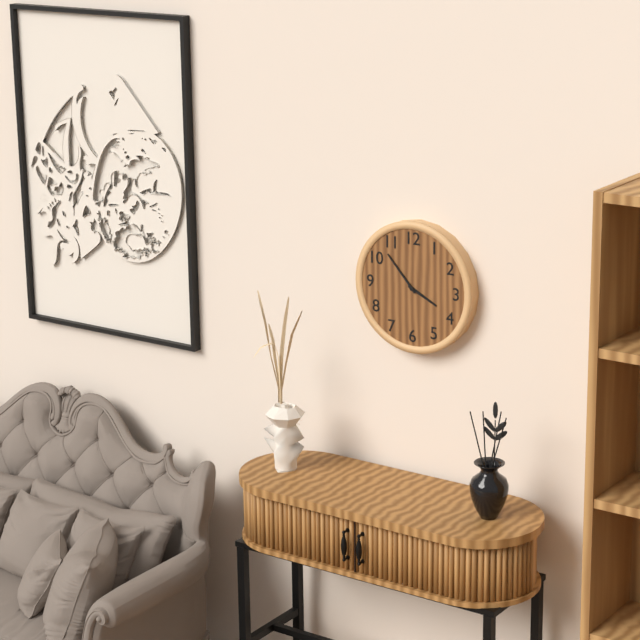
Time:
{"hour": 3, "minute": 53}
